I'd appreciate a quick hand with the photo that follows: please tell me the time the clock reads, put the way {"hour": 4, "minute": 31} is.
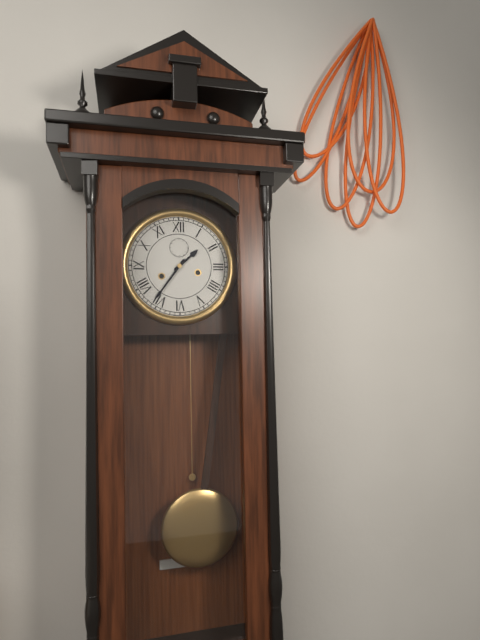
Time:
{"hour": 1, "minute": 36}
